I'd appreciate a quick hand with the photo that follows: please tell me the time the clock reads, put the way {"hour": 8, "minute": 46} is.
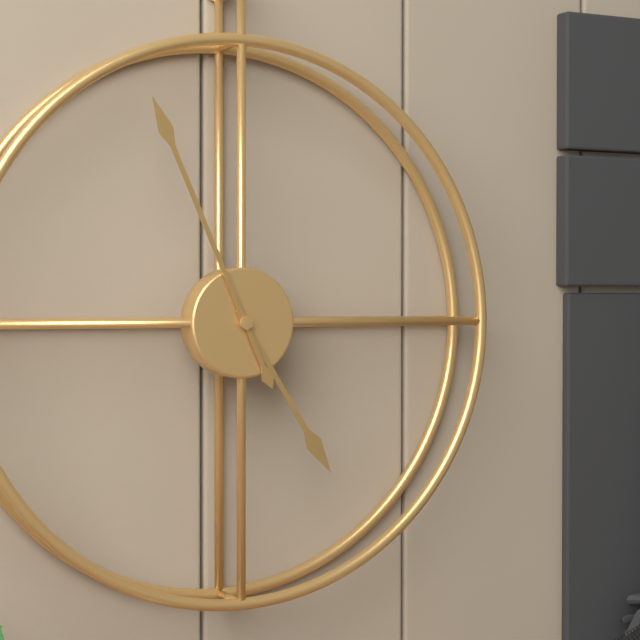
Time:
{"hour": 4, "minute": 56}
